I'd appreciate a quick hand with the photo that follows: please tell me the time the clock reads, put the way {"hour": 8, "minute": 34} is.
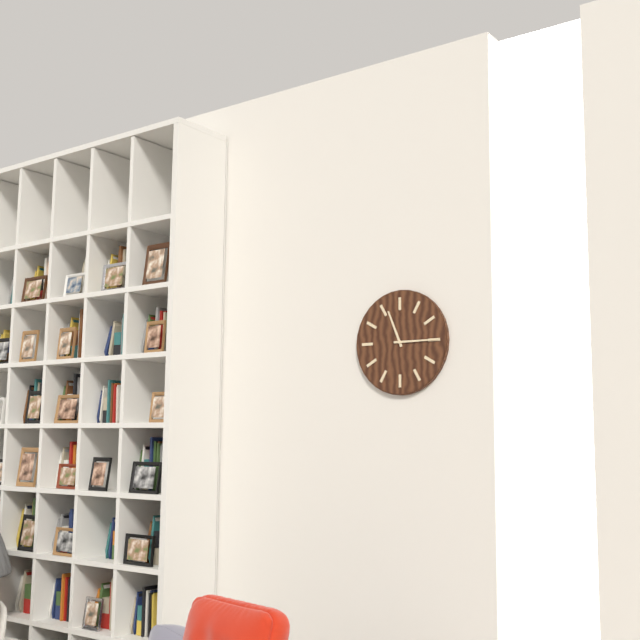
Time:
{"hour": 11, "minute": 15}
